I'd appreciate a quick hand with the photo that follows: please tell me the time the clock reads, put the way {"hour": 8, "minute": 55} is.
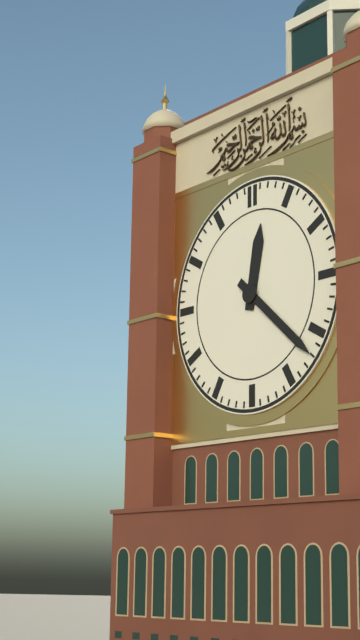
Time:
{"hour": 12, "minute": 22}
